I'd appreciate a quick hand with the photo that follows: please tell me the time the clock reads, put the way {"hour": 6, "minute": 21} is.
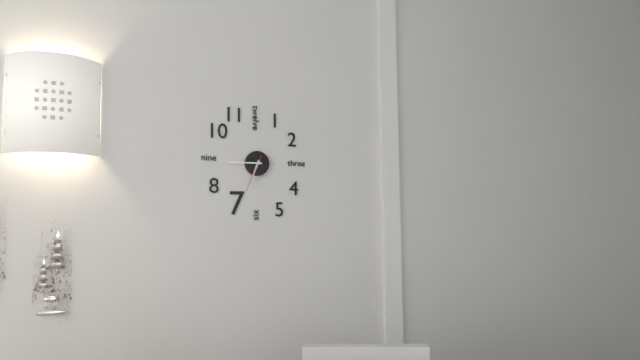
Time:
{"hour": 6, "minute": 45}
